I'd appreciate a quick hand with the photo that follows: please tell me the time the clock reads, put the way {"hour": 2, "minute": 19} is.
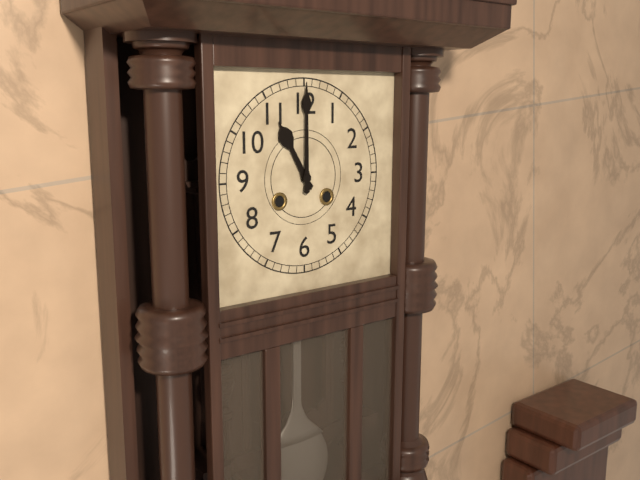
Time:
{"hour": 11, "minute": 0}
